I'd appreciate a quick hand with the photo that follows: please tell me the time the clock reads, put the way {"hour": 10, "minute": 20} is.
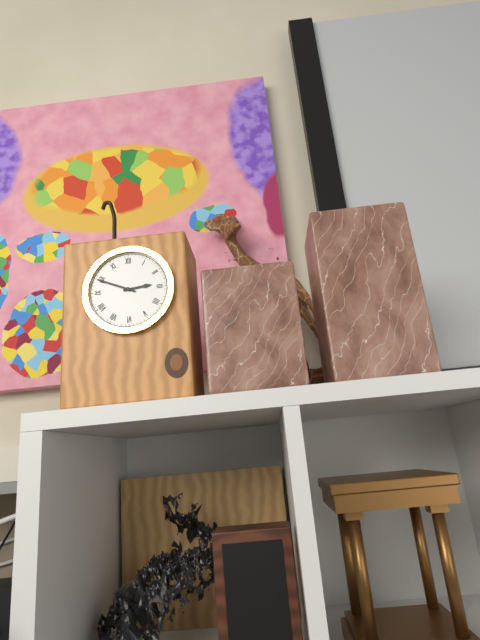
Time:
{"hour": 2, "minute": 49}
